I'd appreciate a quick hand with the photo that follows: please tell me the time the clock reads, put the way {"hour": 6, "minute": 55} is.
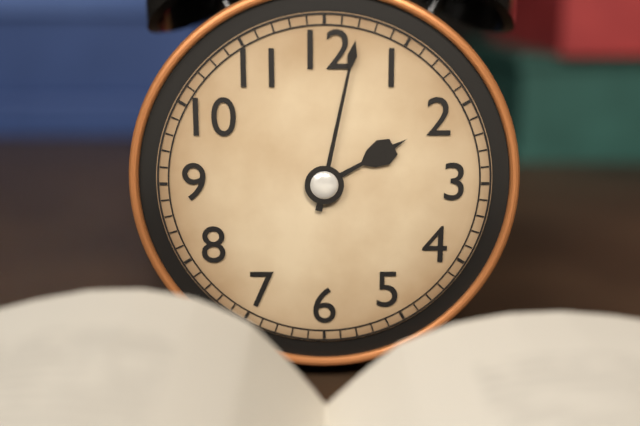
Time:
{"hour": 2, "minute": 2}
